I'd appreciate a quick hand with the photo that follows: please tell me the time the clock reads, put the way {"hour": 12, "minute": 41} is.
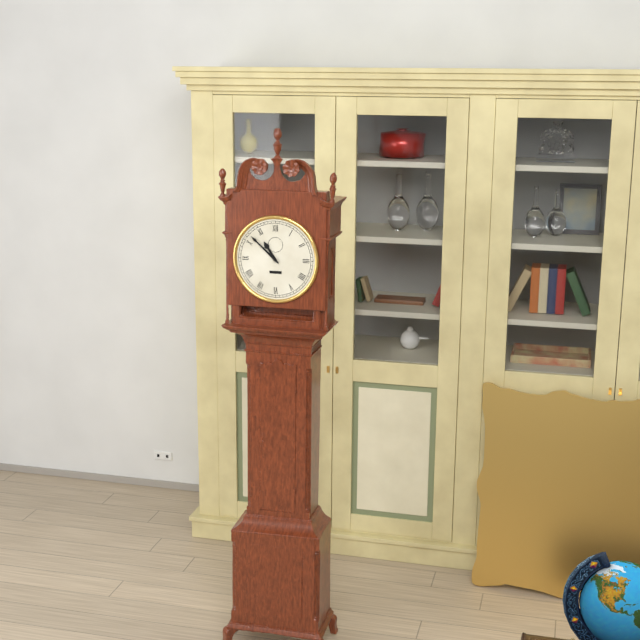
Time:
{"hour": 10, "minute": 52}
